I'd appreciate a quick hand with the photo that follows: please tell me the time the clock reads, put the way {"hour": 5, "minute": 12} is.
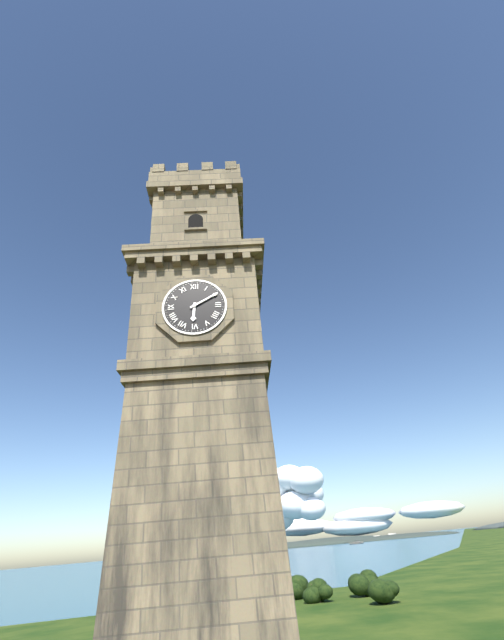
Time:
{"hour": 6, "minute": 10}
